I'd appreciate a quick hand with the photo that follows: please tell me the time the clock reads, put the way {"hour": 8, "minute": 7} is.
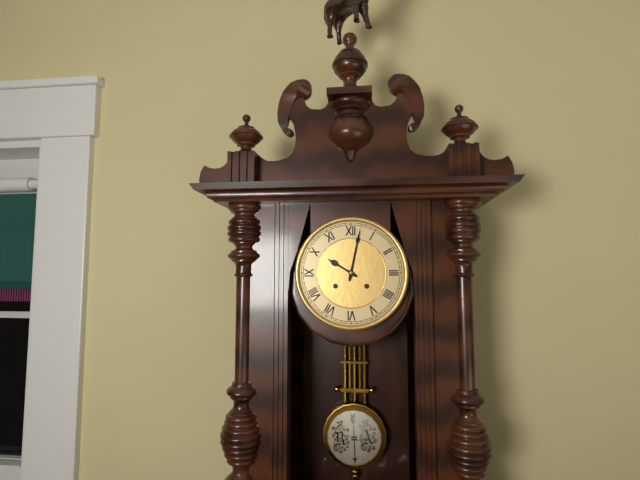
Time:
{"hour": 10, "minute": 2}
